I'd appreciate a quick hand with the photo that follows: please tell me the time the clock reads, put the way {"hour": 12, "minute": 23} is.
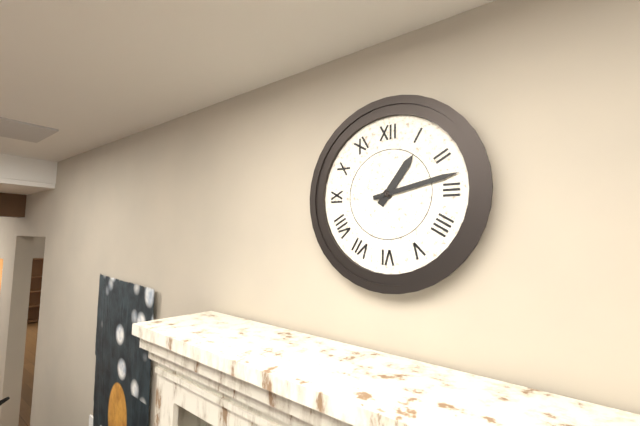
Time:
{"hour": 1, "minute": 13}
